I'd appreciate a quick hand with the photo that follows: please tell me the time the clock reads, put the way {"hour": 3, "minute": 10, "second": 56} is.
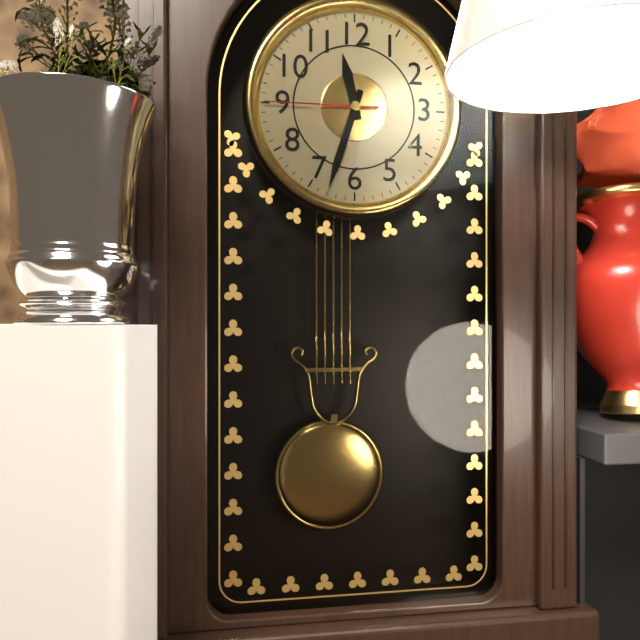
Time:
{"hour": 11, "minute": 33, "second": 45}
